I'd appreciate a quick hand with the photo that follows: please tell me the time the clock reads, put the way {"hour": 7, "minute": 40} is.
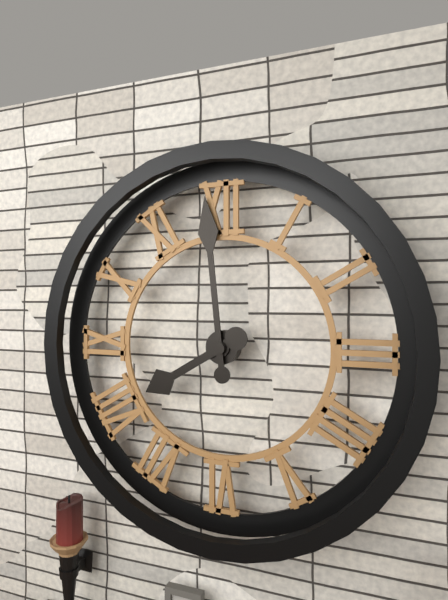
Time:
{"hour": 7, "minute": 59}
